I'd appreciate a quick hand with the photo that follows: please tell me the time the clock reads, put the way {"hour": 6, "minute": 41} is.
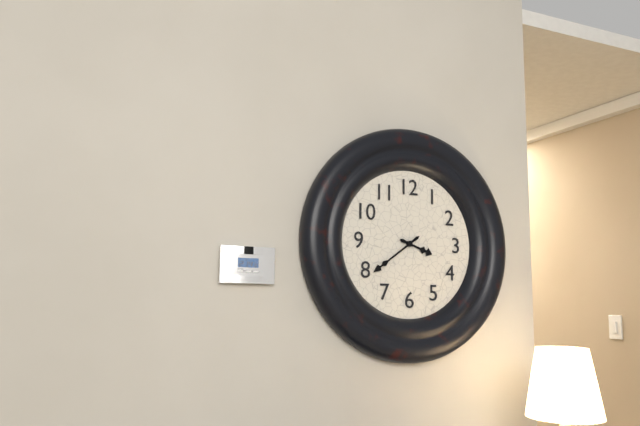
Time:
{"hour": 3, "minute": 39}
